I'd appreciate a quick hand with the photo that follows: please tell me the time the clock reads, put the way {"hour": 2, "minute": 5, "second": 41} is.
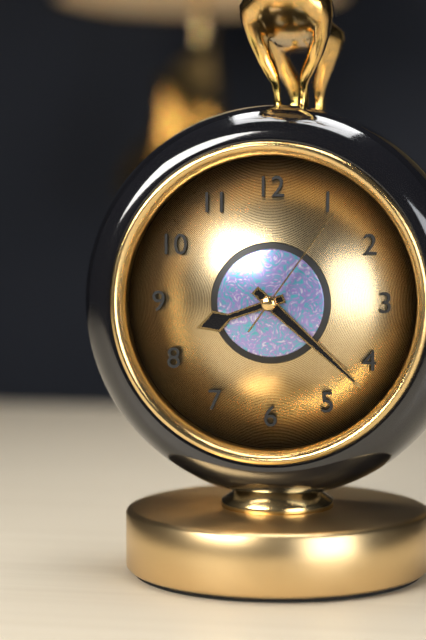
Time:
{"hour": 8, "minute": 22, "second": 6}
